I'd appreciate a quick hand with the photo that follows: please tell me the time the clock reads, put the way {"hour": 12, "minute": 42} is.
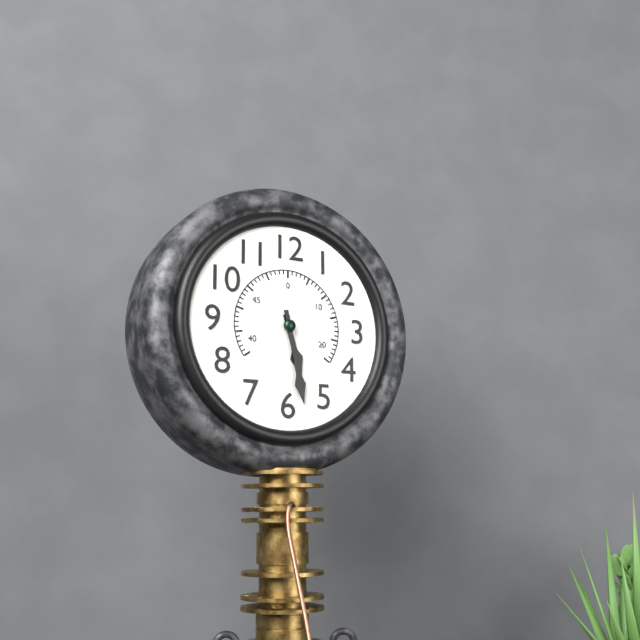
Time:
{"hour": 5, "minute": 28}
